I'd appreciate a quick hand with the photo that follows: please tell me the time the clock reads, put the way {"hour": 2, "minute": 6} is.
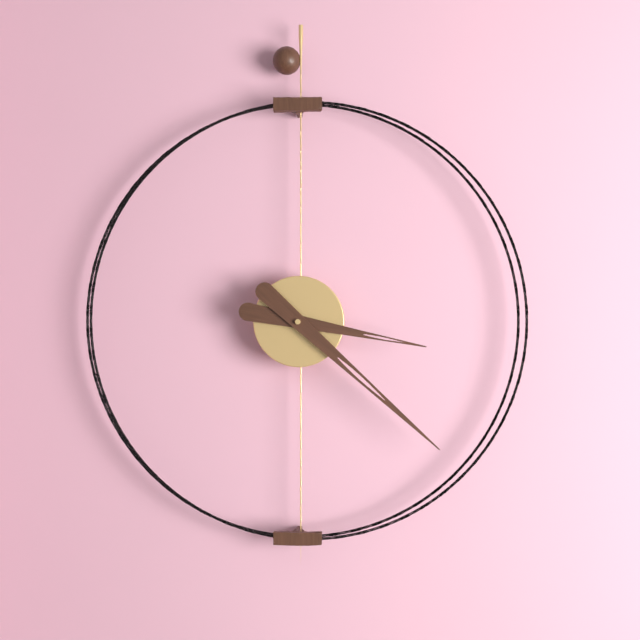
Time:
{"hour": 3, "minute": 22}
